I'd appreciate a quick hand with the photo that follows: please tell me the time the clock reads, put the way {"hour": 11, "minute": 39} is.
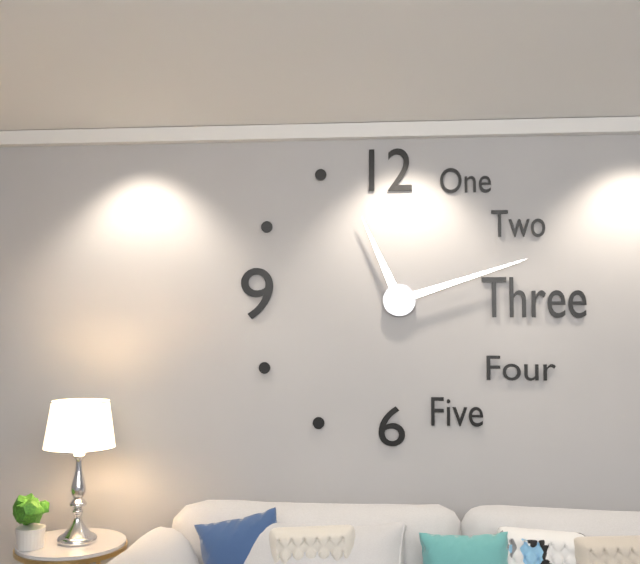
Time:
{"hour": 11, "minute": 12}
